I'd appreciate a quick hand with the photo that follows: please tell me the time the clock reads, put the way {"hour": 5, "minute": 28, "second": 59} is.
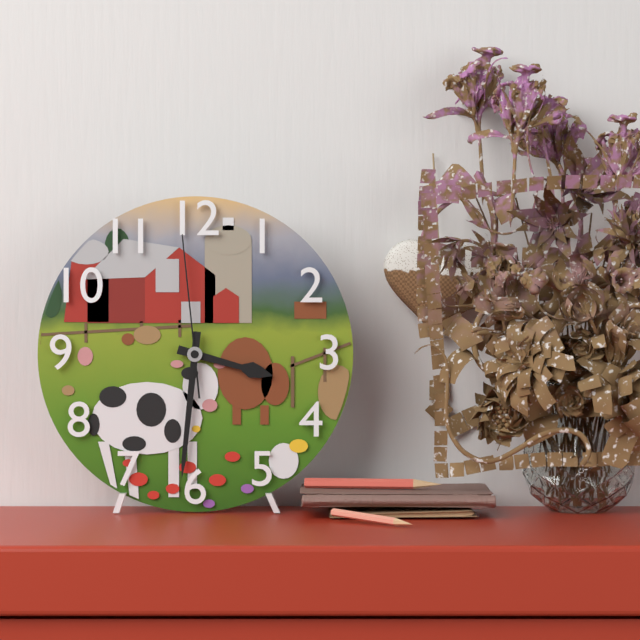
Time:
{"hour": 3, "minute": 31, "second": 59}
